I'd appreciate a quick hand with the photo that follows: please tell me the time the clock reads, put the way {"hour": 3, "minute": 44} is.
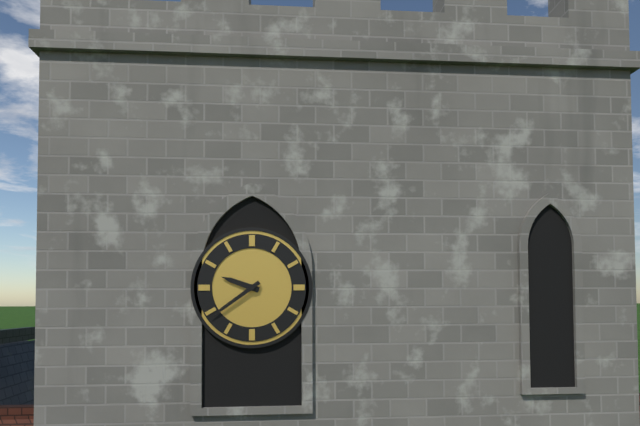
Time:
{"hour": 9, "minute": 39}
